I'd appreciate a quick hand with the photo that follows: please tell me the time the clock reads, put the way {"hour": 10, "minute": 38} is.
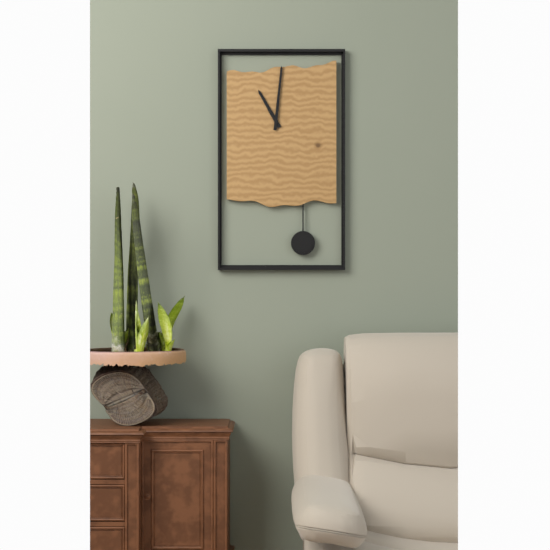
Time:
{"hour": 11, "minute": 1}
